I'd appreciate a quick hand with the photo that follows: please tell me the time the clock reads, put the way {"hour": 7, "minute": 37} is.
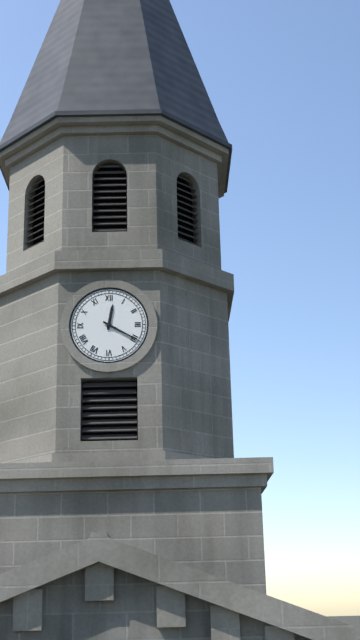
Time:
{"hour": 12, "minute": 20}
